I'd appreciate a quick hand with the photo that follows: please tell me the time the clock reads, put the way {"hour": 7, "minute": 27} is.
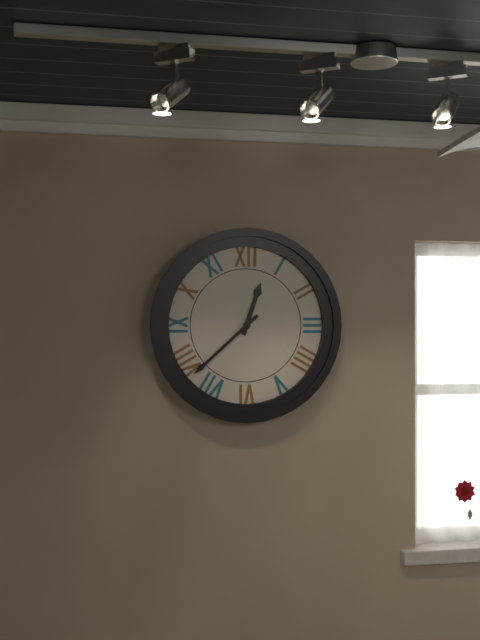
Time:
{"hour": 12, "minute": 38}
